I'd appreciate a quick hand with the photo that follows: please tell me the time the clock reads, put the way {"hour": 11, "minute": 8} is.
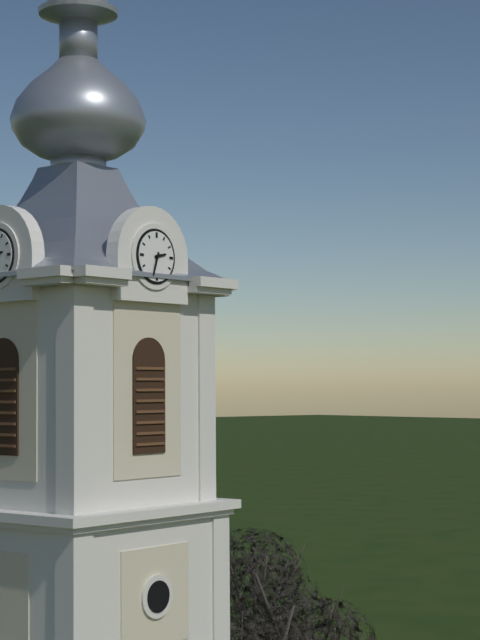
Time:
{"hour": 2, "minute": 33}
